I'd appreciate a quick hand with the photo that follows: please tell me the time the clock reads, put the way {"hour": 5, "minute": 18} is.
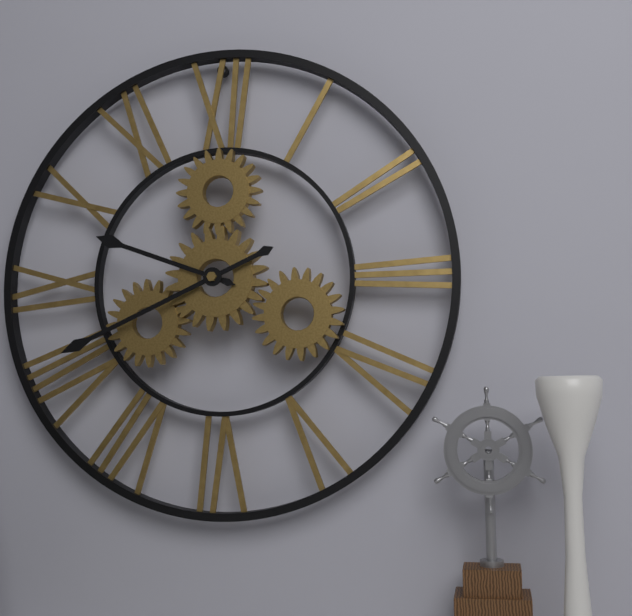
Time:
{"hour": 9, "minute": 41}
